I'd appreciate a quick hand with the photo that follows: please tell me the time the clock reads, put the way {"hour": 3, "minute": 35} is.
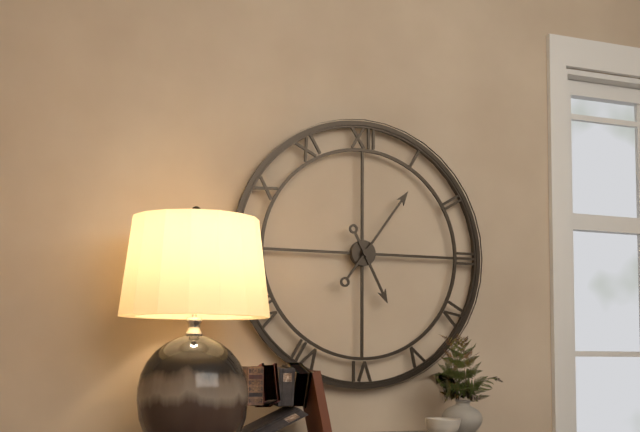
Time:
{"hour": 5, "minute": 6}
